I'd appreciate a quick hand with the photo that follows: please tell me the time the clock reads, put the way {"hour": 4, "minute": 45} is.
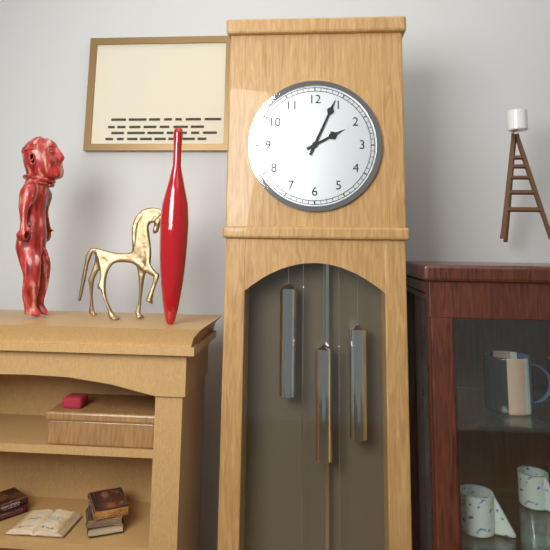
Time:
{"hour": 2, "minute": 4}
